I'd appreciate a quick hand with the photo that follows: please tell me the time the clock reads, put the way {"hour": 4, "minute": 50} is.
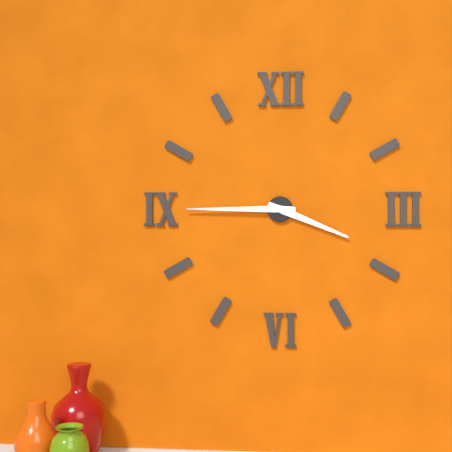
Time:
{"hour": 3, "minute": 45}
